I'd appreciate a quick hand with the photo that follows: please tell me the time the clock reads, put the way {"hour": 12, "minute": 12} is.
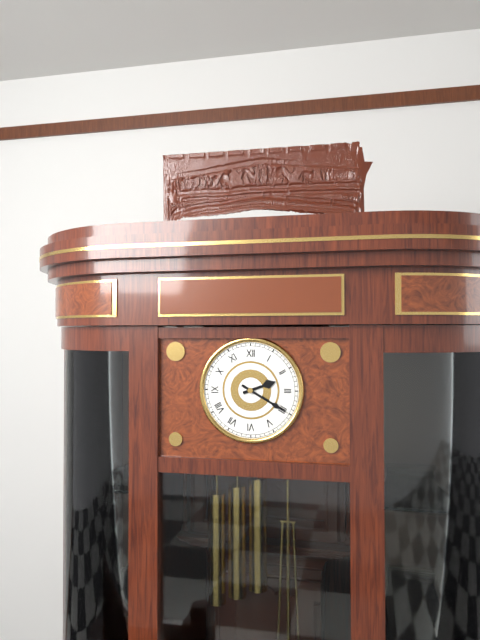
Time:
{"hour": 2, "minute": 20}
